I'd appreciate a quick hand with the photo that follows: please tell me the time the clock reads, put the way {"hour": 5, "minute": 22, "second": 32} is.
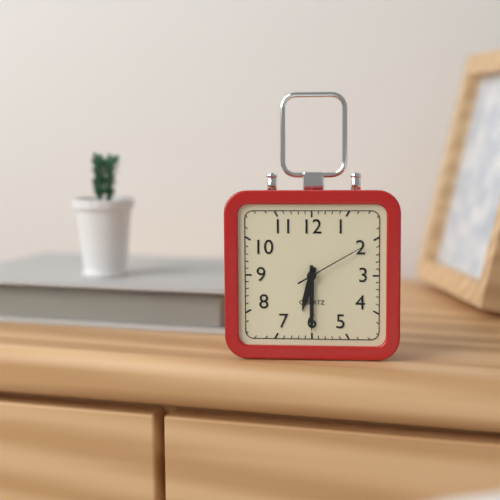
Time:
{"hour": 6, "minute": 30, "second": 10}
